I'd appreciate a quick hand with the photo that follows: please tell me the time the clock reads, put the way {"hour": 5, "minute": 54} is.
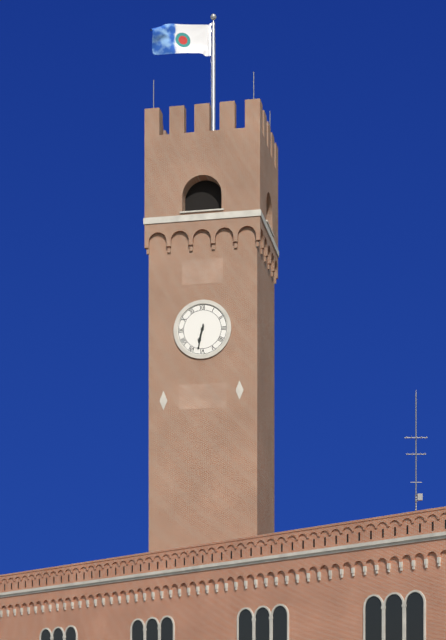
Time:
{"hour": 6, "minute": 32}
